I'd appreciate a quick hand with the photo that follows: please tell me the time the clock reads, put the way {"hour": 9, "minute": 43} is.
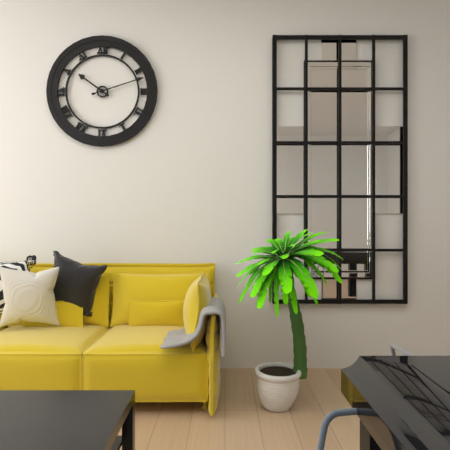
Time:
{"hour": 10, "minute": 12}
